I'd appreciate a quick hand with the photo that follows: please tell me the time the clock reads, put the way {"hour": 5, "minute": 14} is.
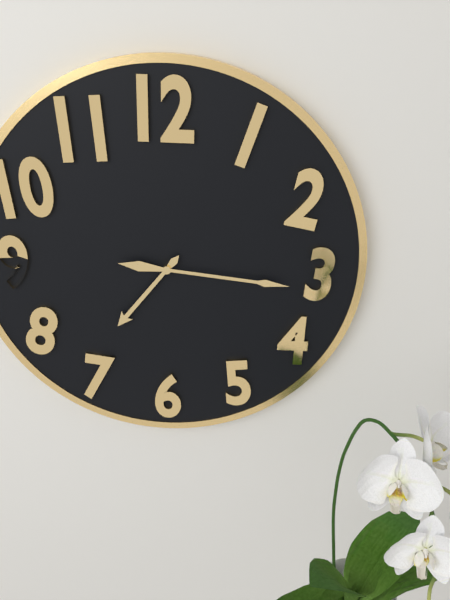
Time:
{"hour": 7, "minute": 16}
